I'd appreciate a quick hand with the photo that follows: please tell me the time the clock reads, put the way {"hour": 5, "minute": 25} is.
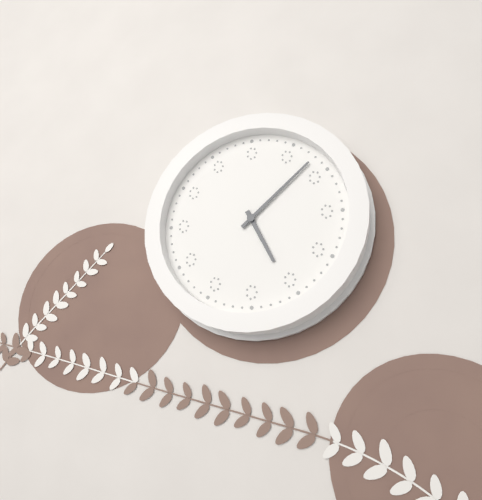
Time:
{"hour": 5, "minute": 8}
